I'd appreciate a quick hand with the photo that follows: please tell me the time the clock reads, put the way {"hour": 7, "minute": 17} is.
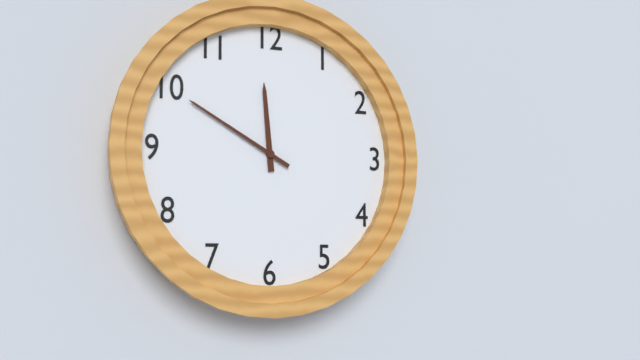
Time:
{"hour": 11, "minute": 50}
